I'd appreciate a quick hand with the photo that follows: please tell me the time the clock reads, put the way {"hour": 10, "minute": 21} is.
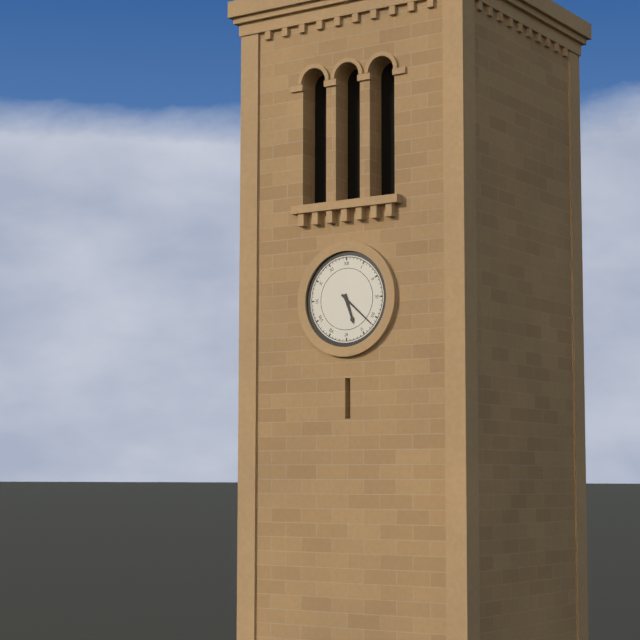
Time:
{"hour": 5, "minute": 22}
